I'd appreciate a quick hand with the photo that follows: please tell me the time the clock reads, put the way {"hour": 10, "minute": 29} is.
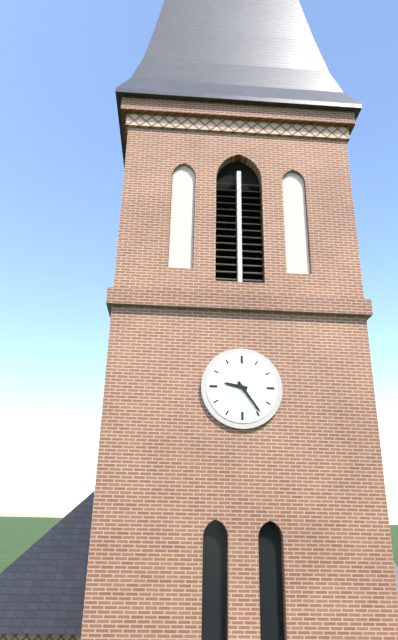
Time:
{"hour": 9, "minute": 24}
